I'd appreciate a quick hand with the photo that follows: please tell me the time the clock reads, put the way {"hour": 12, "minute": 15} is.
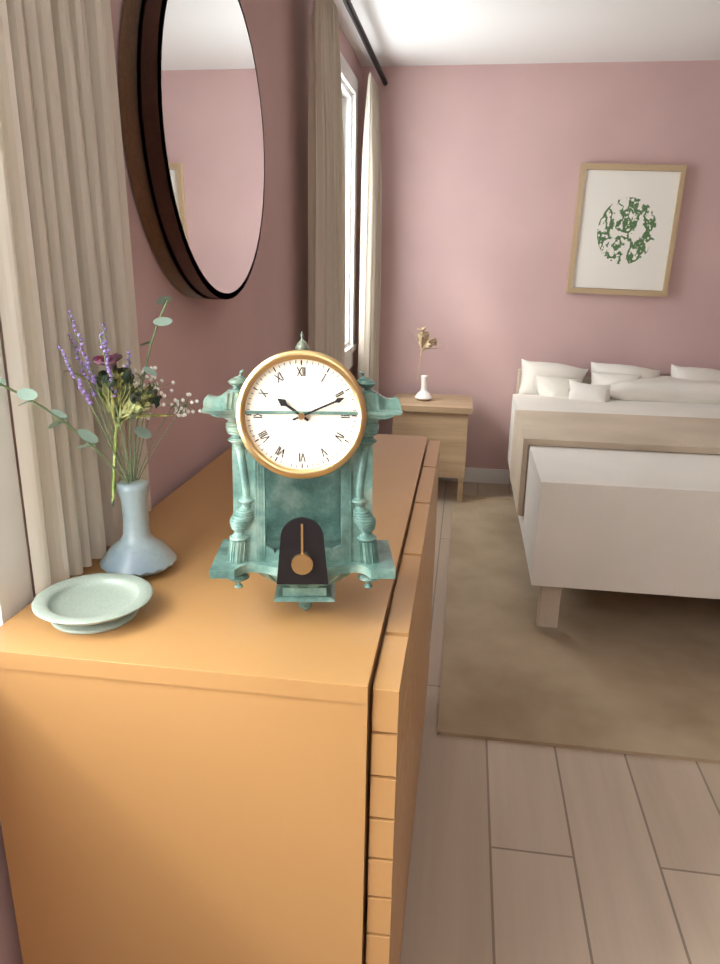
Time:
{"hour": 10, "minute": 11}
